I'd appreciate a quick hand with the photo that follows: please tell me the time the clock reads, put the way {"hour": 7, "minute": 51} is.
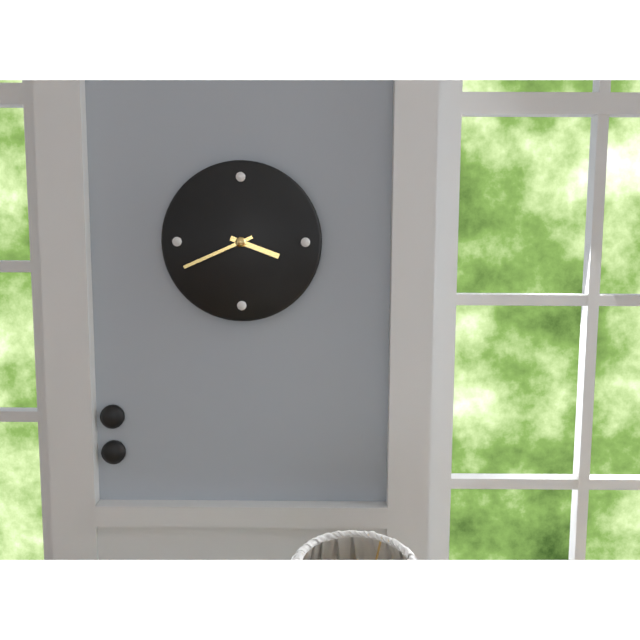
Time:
{"hour": 3, "minute": 41}
